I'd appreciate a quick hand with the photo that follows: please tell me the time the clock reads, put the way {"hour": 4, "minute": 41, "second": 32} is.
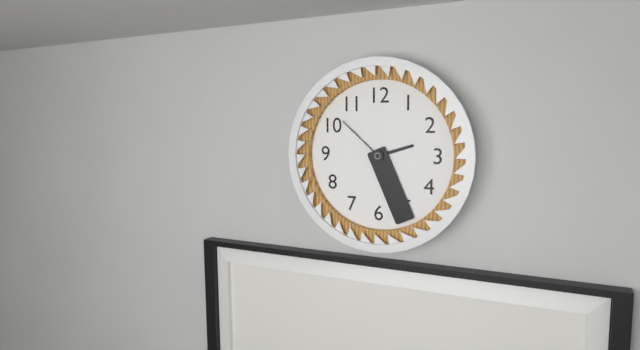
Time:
{"hour": 2, "minute": 26, "second": 52}
